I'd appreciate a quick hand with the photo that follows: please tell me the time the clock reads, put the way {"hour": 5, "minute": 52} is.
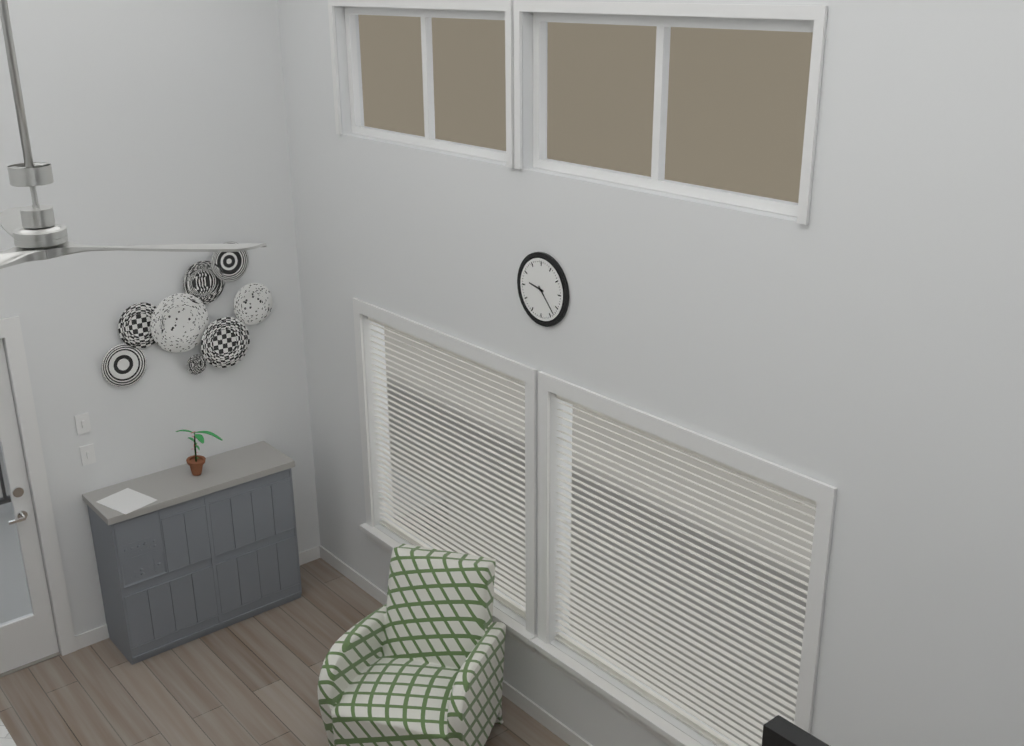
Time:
{"hour": 9, "minute": 23}
